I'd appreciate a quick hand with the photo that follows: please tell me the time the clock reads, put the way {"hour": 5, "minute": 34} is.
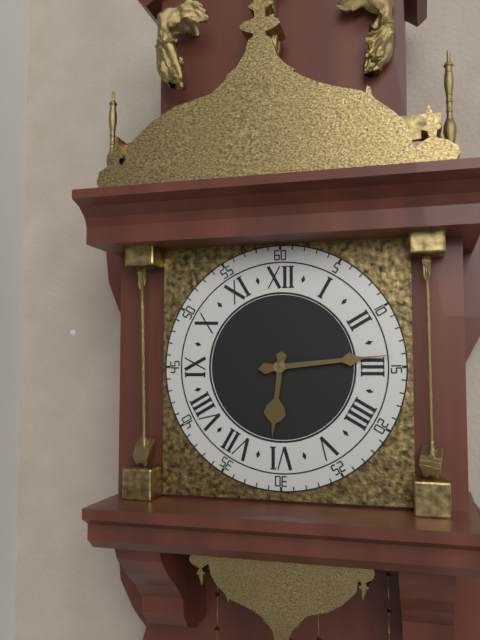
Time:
{"hour": 6, "minute": 14}
